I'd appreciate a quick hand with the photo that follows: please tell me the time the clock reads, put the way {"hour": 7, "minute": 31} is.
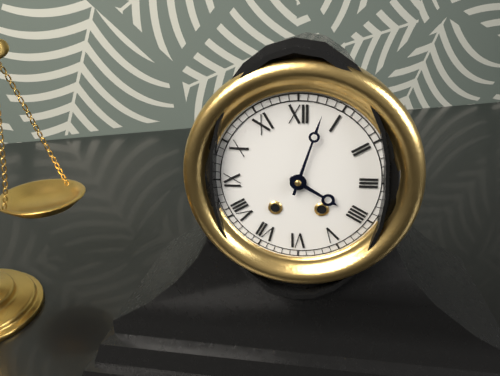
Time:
{"hour": 4, "minute": 3}
